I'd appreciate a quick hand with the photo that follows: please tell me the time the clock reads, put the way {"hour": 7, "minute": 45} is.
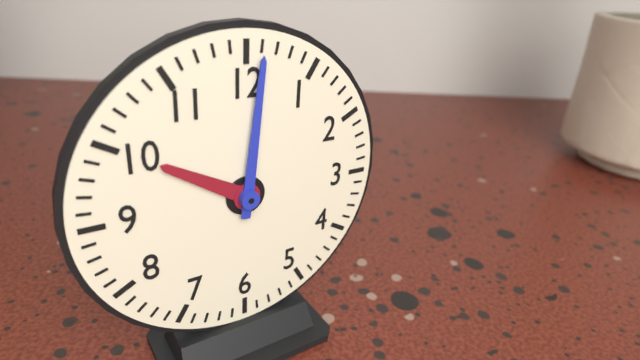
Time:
{"hour": 10, "minute": 1}
